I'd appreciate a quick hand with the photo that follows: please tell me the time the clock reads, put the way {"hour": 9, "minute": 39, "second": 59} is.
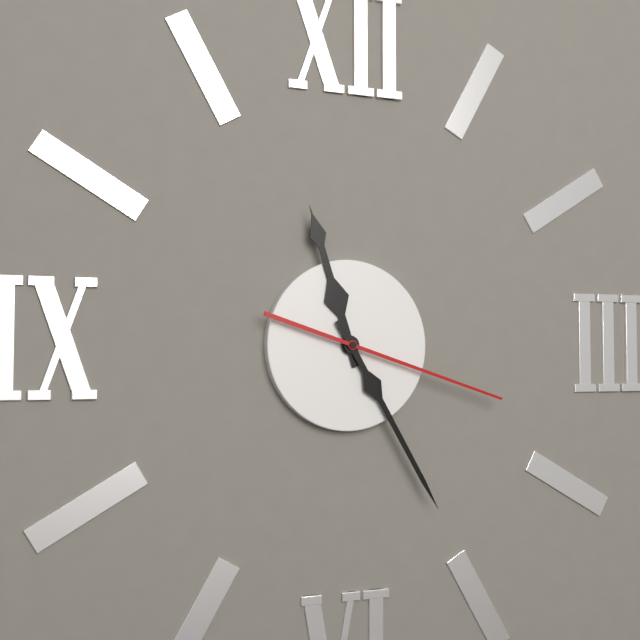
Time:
{"hour": 11, "minute": 25, "second": 18}
